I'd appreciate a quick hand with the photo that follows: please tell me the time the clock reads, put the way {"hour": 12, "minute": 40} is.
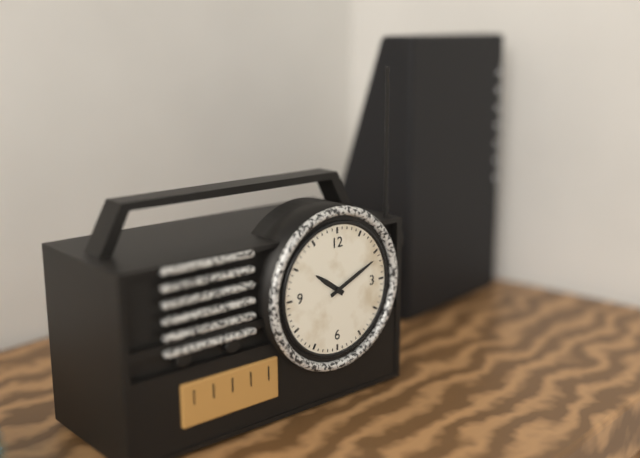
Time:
{"hour": 10, "minute": 11}
